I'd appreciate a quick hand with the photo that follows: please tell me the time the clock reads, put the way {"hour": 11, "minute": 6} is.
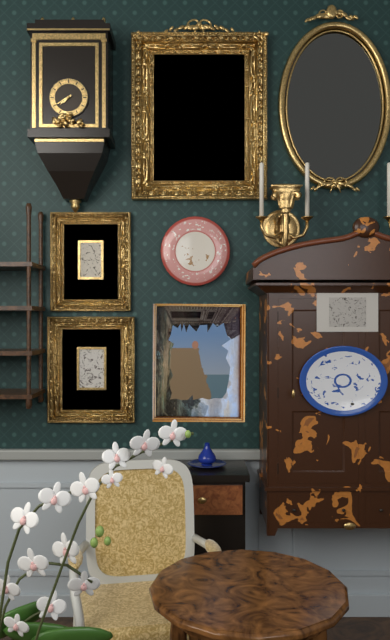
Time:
{"hour": 7, "minute": 40}
